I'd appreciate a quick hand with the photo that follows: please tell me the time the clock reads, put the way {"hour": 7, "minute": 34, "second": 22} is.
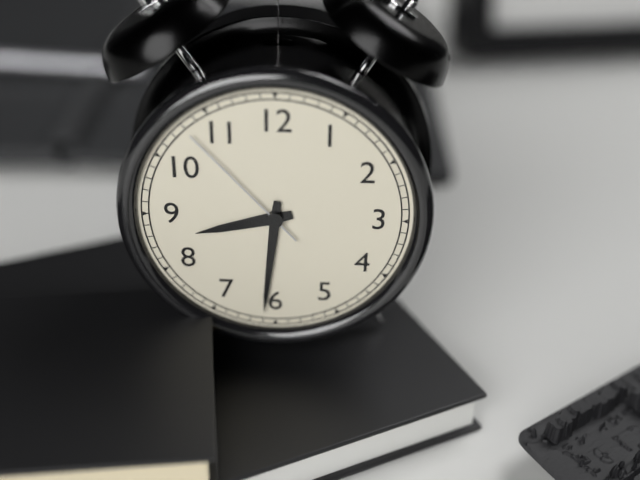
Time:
{"hour": 8, "minute": 31, "second": 53}
